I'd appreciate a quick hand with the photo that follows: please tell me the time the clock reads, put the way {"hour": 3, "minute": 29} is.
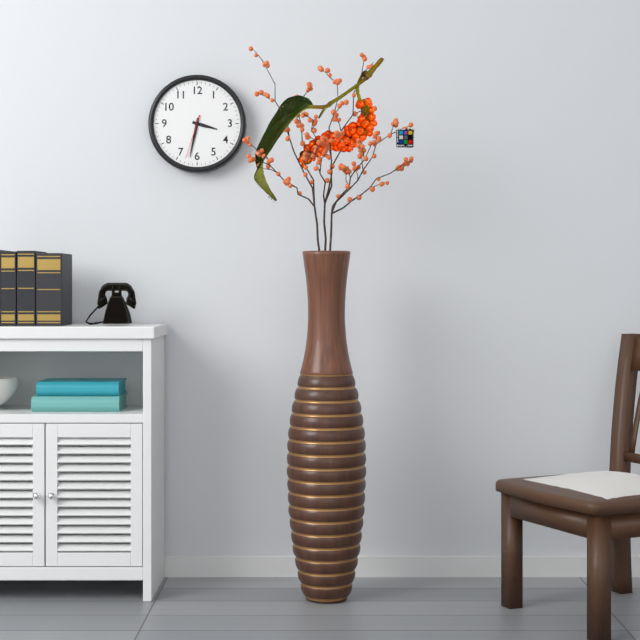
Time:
{"hour": 3, "minute": 32}
